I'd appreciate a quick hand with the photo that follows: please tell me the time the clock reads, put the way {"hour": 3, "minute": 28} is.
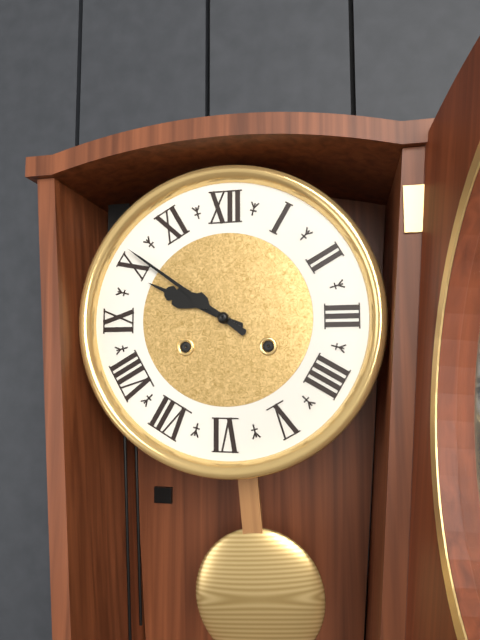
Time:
{"hour": 9, "minute": 51}
